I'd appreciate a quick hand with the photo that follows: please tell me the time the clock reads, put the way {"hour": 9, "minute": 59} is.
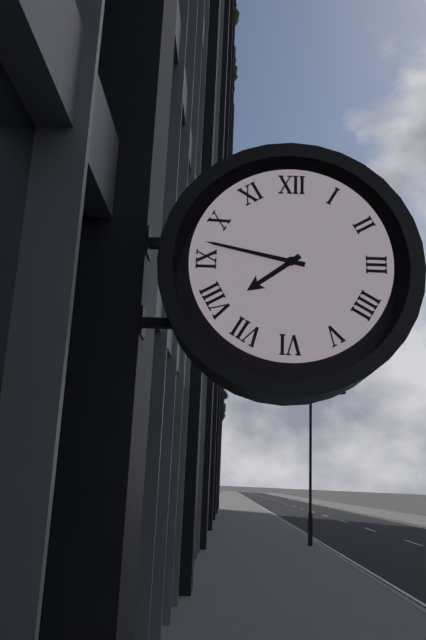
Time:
{"hour": 7, "minute": 47}
